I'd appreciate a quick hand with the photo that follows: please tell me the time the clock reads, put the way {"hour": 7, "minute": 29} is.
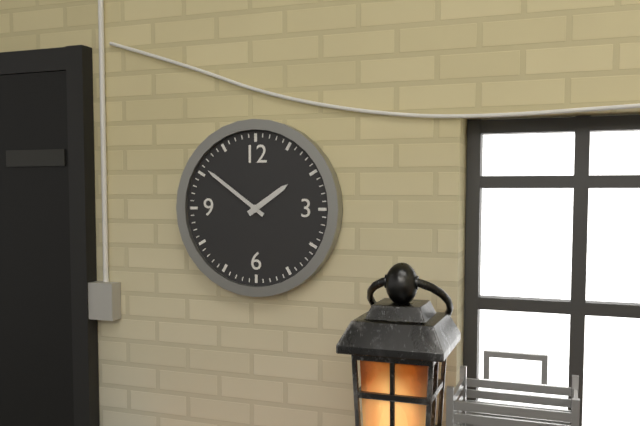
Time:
{"hour": 1, "minute": 51}
